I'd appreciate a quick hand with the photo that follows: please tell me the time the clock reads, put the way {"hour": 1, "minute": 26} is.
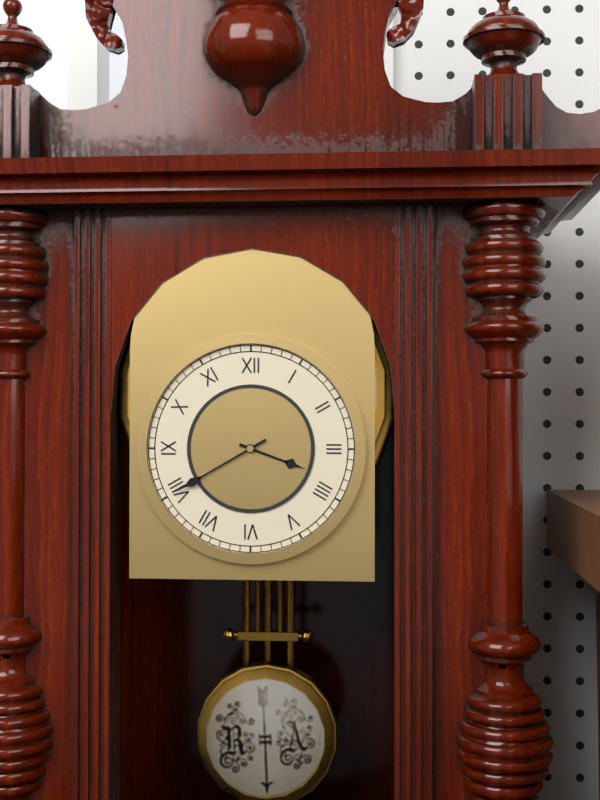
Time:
{"hour": 3, "minute": 40}
